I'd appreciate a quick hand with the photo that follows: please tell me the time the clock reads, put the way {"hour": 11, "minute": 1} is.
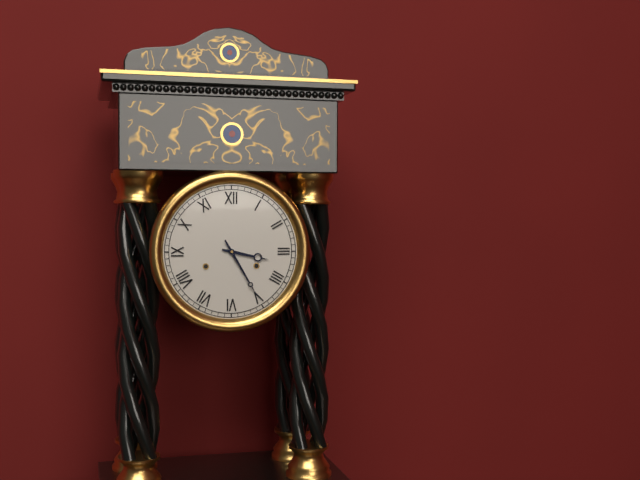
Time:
{"hour": 3, "minute": 25}
